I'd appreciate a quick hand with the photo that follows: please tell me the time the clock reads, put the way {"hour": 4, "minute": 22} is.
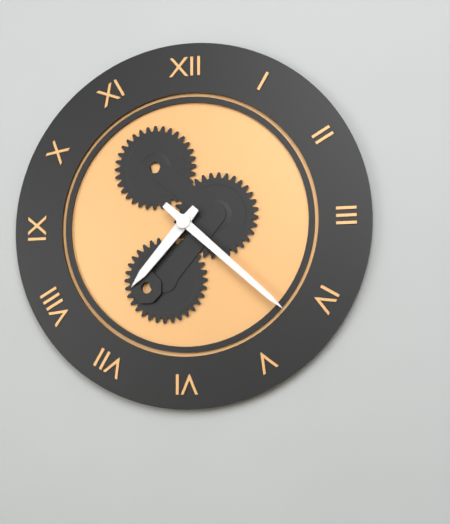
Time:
{"hour": 7, "minute": 22}
